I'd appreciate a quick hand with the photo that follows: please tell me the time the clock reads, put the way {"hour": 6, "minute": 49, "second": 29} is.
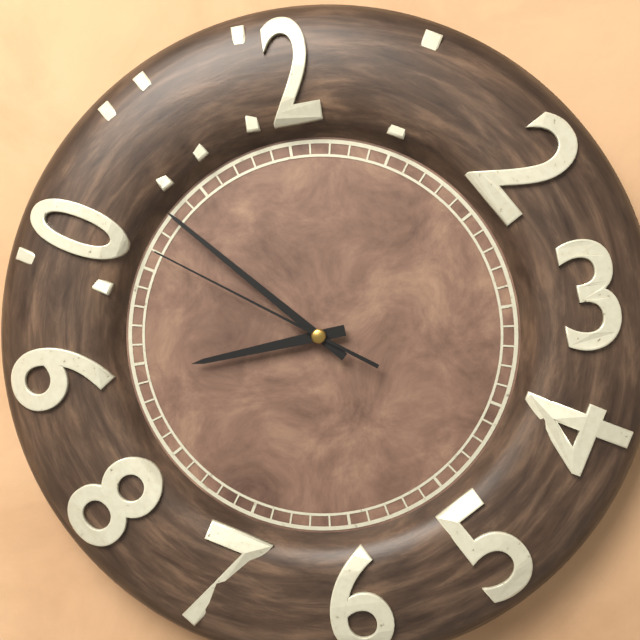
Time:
{"hour": 8, "minute": 53, "second": 51}
